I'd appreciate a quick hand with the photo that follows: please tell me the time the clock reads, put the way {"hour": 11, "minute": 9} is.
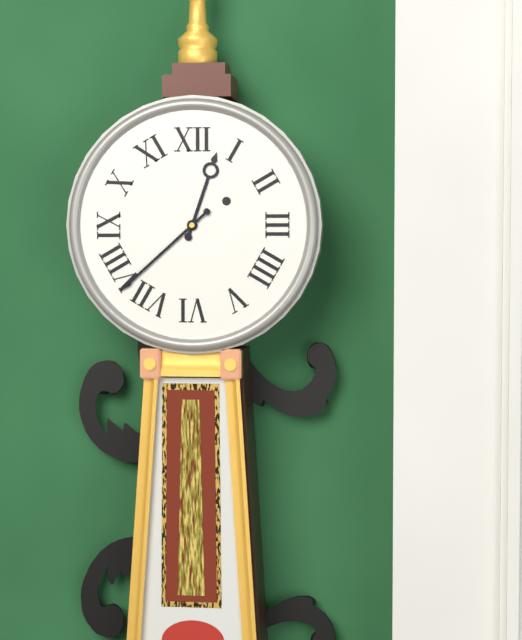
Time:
{"hour": 12, "minute": 38}
